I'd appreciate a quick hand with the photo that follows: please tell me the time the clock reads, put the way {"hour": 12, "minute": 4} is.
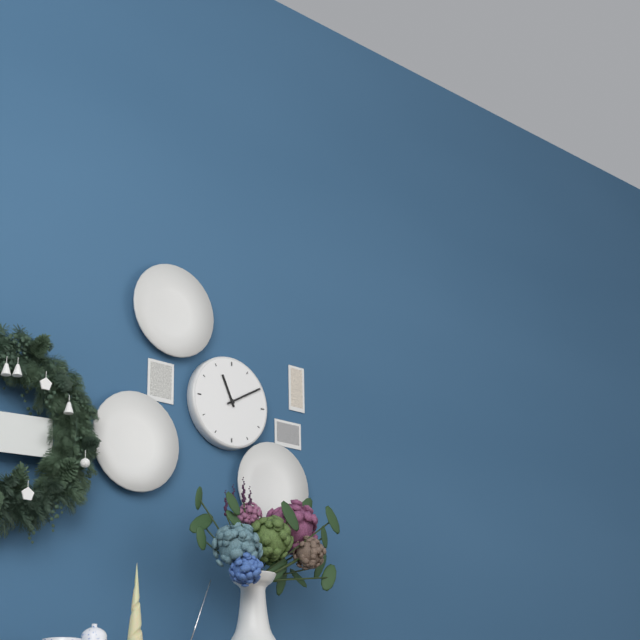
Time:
{"hour": 11, "minute": 10}
